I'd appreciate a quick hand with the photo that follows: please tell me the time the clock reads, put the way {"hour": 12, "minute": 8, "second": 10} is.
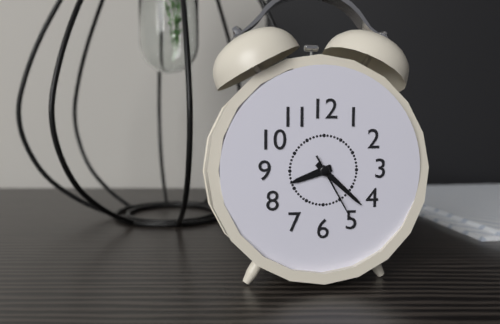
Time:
{"hour": 8, "minute": 22, "second": 25}
